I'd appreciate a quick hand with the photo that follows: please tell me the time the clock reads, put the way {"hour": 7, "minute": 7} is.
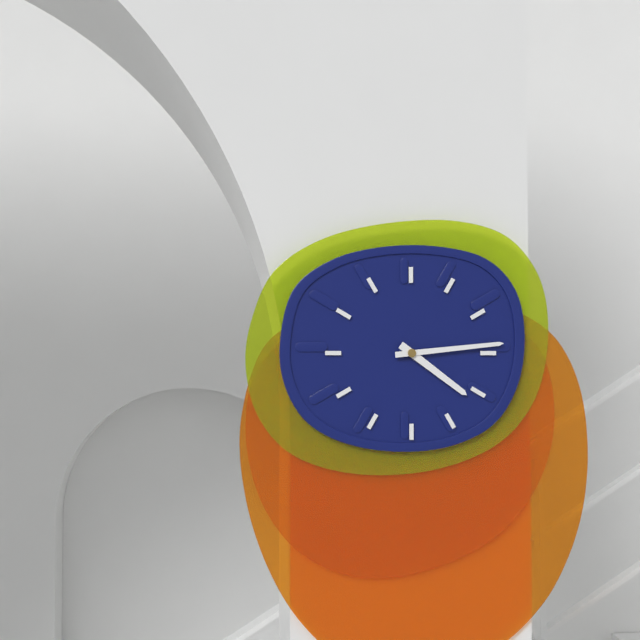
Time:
{"hour": 4, "minute": 14}
